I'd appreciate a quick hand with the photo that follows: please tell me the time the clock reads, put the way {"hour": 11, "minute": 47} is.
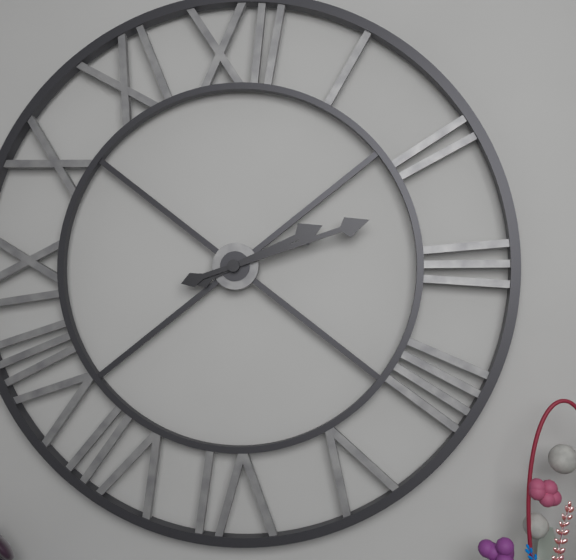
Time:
{"hour": 2, "minute": 12}
